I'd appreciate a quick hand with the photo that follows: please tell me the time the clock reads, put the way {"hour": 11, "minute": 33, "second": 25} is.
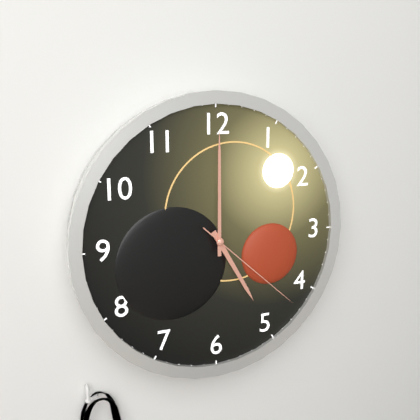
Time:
{"hour": 5, "minute": 0, "second": 22}
